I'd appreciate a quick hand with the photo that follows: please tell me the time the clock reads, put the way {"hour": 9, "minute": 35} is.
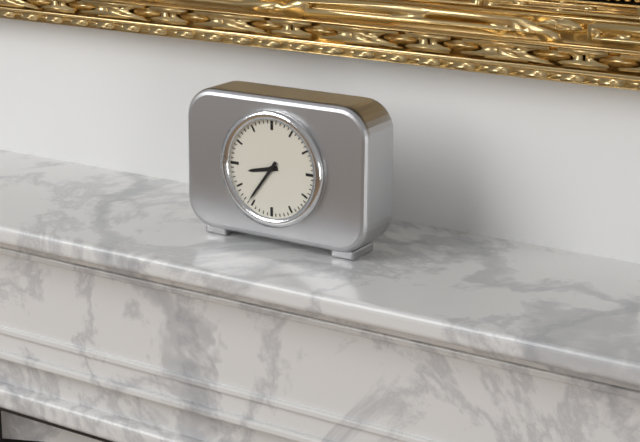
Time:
{"hour": 8, "minute": 36}
